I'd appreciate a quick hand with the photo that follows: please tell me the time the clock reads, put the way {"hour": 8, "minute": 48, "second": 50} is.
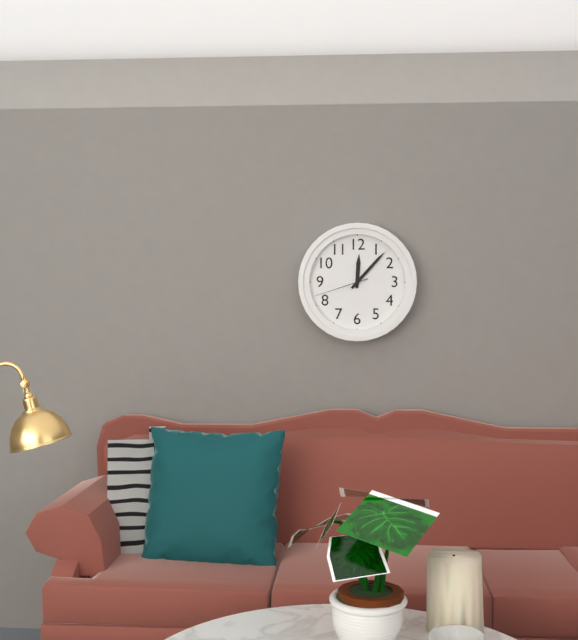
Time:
{"hour": 12, "minute": 7, "second": 42}
